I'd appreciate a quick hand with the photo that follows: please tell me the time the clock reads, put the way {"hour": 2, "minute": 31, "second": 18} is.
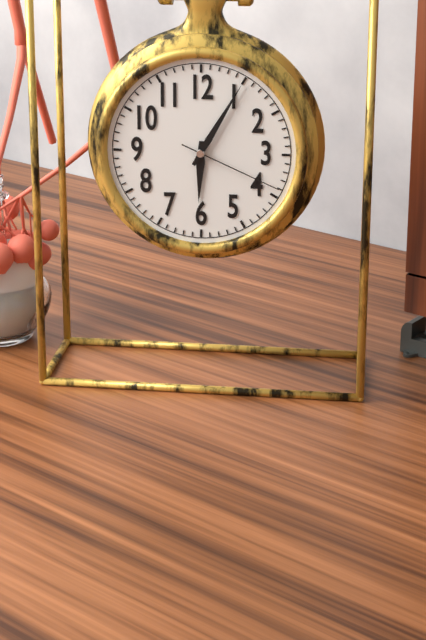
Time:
{"hour": 6, "minute": 5, "second": 19}
